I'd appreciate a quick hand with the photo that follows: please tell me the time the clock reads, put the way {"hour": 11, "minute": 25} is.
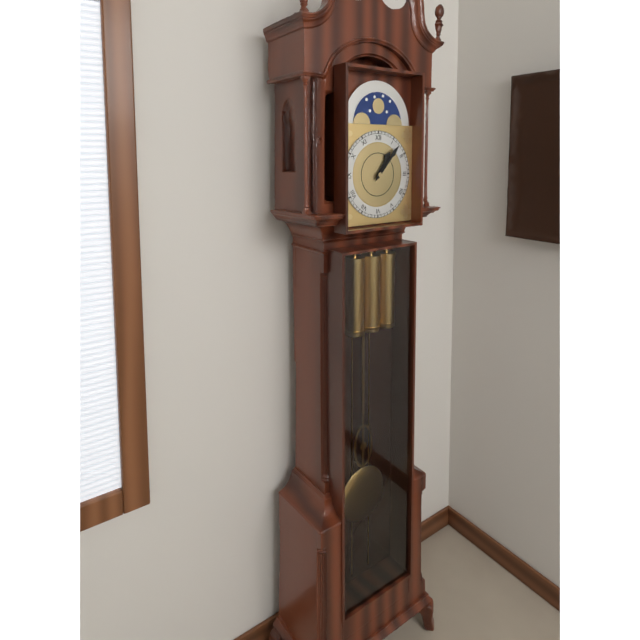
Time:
{"hour": 1, "minute": 7}
